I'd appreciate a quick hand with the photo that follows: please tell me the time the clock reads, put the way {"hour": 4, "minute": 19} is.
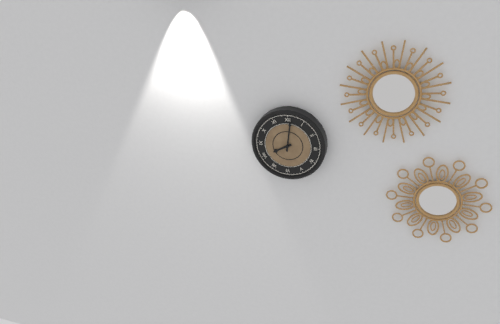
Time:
{"hour": 8, "minute": 1}
